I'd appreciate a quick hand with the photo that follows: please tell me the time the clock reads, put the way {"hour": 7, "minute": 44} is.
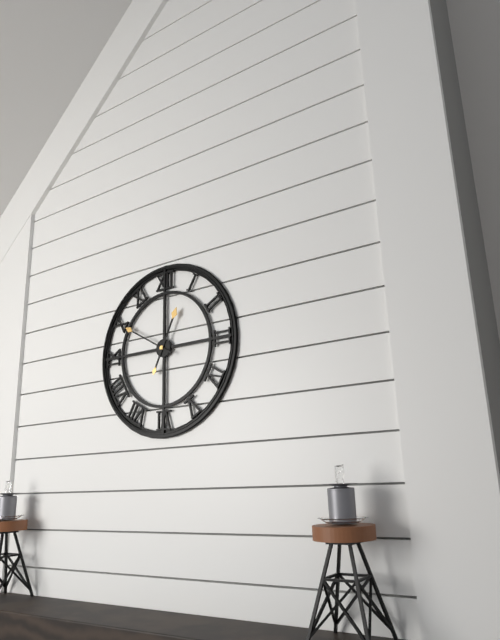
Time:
{"hour": 12, "minute": 50}
